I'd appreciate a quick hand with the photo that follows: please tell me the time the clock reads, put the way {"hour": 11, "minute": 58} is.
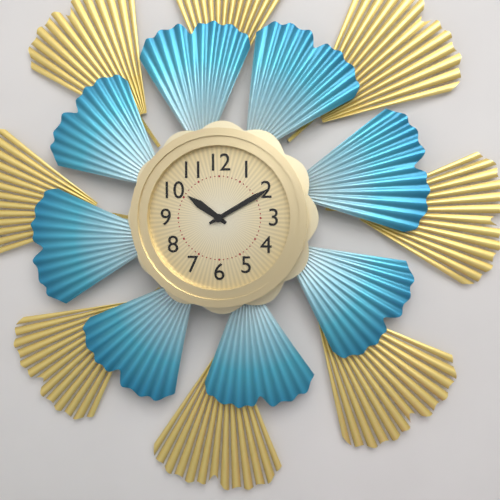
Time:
{"hour": 10, "minute": 10}
